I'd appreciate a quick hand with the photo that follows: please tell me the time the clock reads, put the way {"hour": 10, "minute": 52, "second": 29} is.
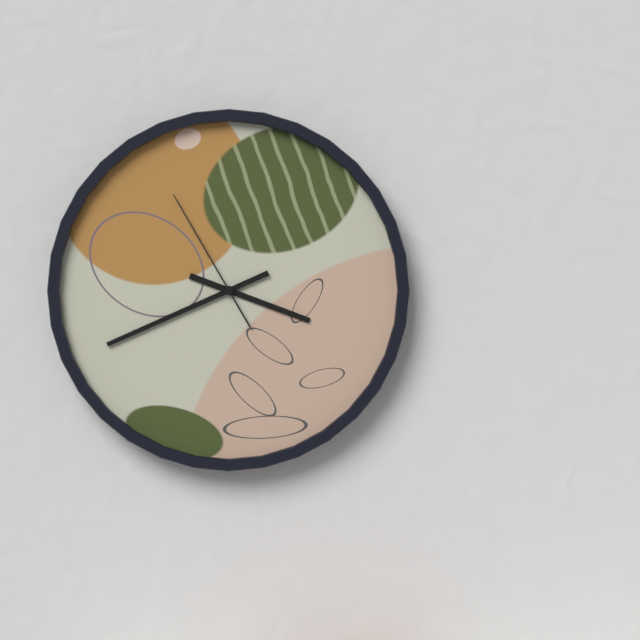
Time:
{"hour": 3, "minute": 41, "second": 55}
